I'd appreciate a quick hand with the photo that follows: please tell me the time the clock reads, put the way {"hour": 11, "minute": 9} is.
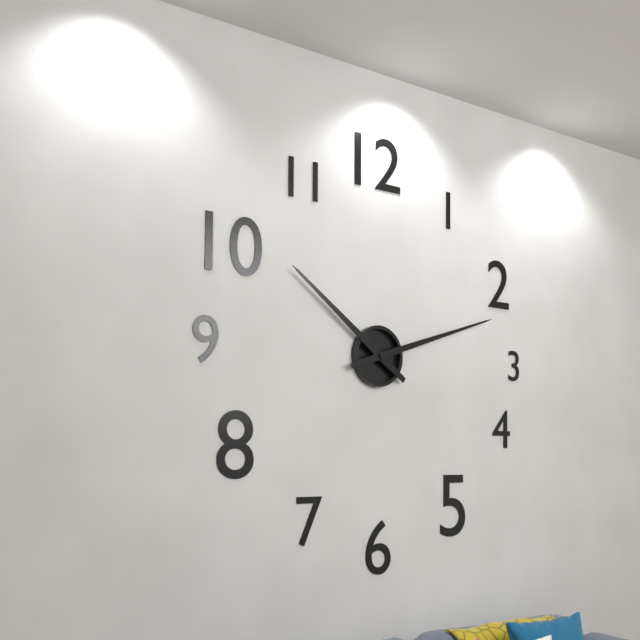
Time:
{"hour": 10, "minute": 12}
